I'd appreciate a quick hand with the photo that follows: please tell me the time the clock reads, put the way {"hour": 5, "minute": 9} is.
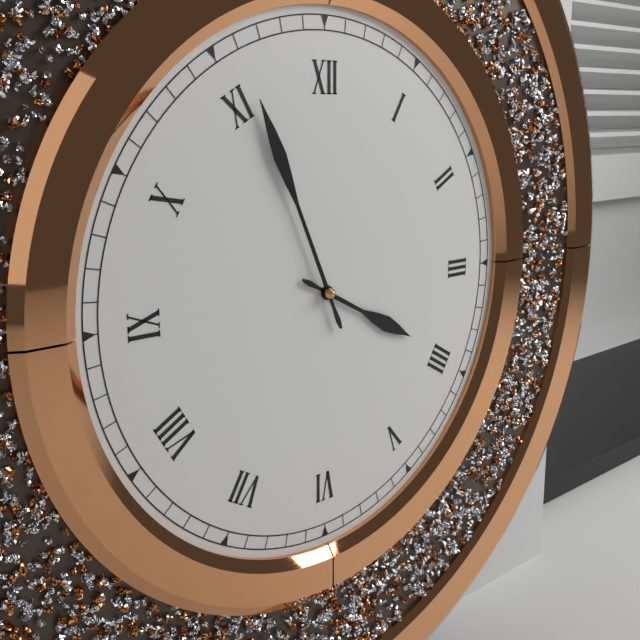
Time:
{"hour": 3, "minute": 56}
